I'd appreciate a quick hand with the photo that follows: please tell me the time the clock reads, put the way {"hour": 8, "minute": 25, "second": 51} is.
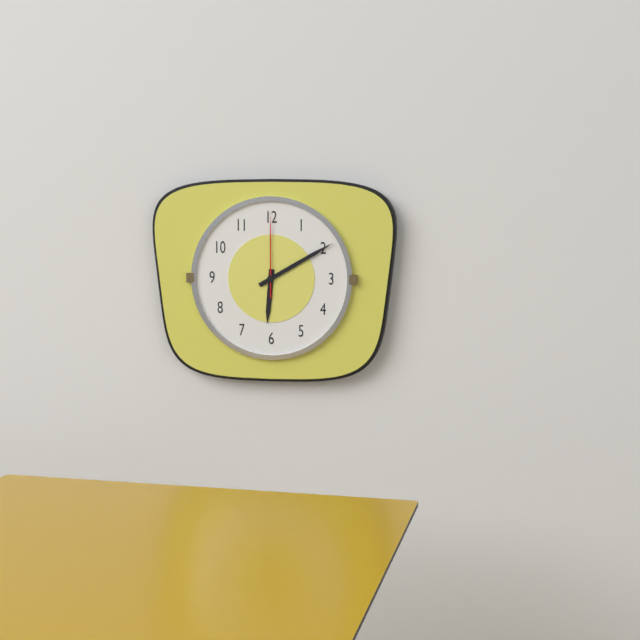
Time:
{"hour": 6, "minute": 10, "second": 0}
